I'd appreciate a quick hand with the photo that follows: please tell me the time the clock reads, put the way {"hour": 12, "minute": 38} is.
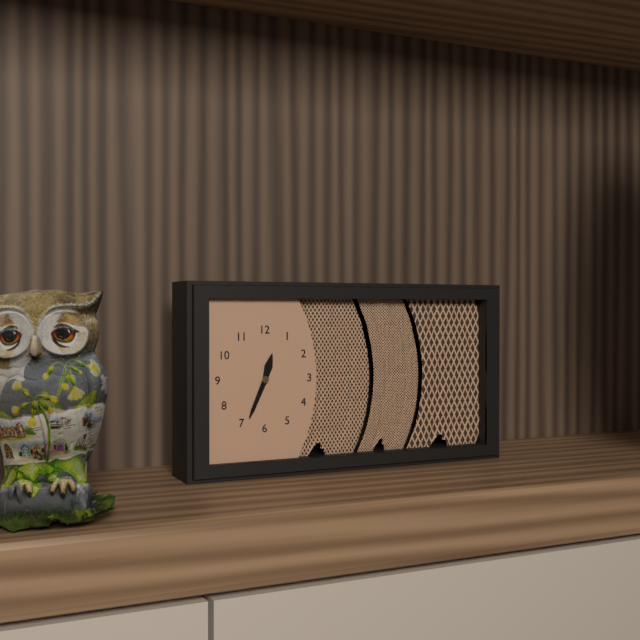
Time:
{"hour": 12, "minute": 34}
